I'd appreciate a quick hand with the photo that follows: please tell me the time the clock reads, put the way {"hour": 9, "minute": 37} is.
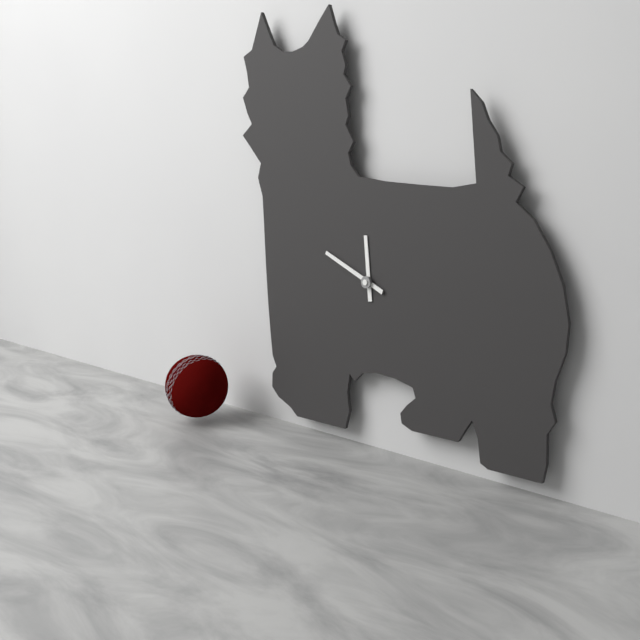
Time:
{"hour": 11, "minute": 49}
